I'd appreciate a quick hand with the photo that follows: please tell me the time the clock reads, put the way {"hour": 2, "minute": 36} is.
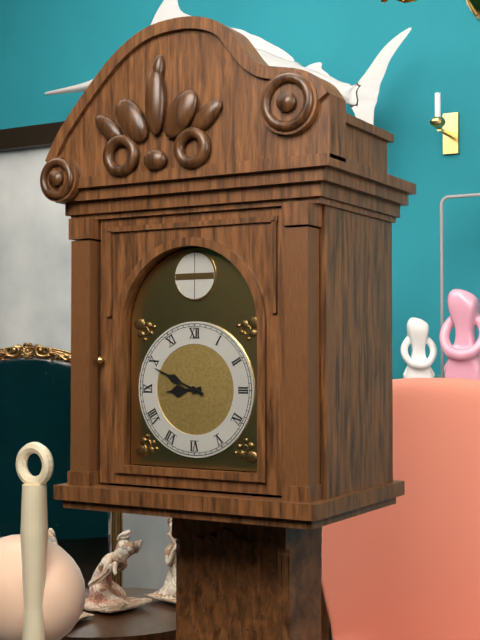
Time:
{"hour": 8, "minute": 49}
